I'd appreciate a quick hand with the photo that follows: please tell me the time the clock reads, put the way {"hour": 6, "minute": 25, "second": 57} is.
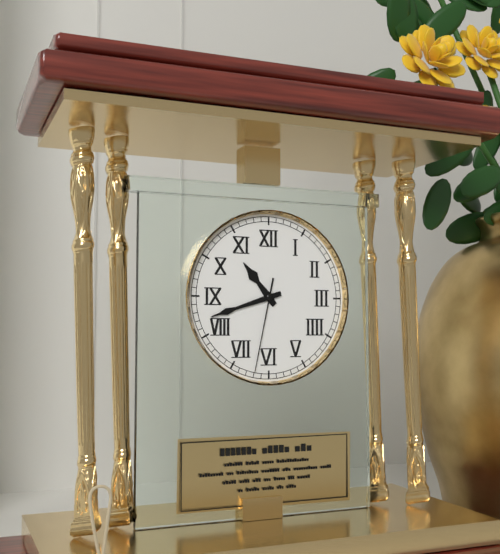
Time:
{"hour": 10, "minute": 42, "second": 32}
